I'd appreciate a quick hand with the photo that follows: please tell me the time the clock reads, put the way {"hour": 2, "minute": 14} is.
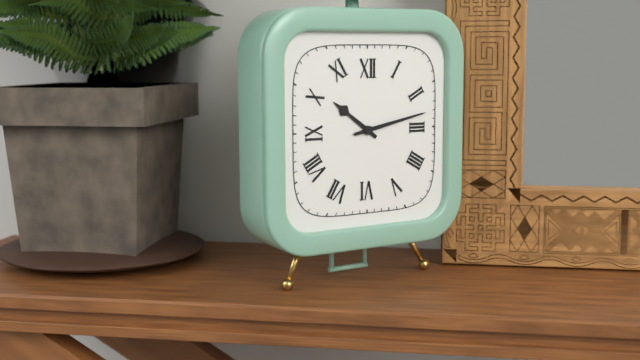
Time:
{"hour": 10, "minute": 13}
